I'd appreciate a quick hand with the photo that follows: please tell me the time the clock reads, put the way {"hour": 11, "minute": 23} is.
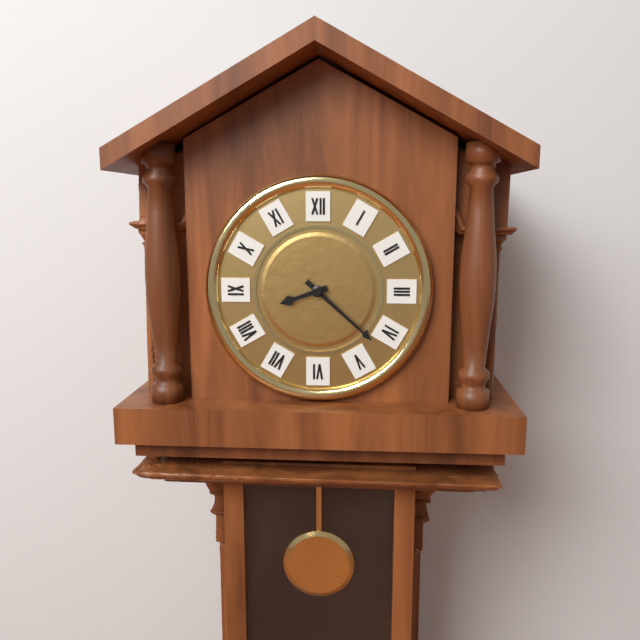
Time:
{"hour": 8, "minute": 22}
